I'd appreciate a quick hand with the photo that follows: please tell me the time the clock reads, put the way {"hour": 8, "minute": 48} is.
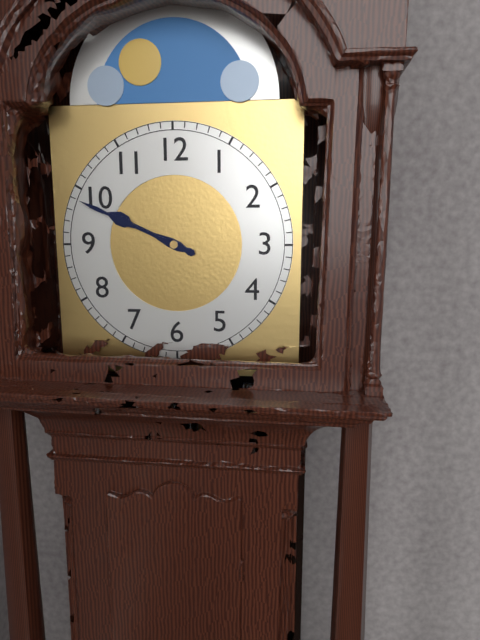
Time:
{"hour": 9, "minute": 49}
